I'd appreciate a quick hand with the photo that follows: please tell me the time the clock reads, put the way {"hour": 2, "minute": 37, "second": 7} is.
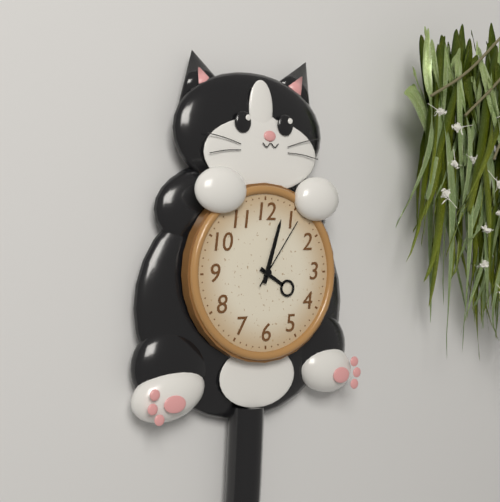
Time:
{"hour": 4, "minute": 3, "second": 6}
